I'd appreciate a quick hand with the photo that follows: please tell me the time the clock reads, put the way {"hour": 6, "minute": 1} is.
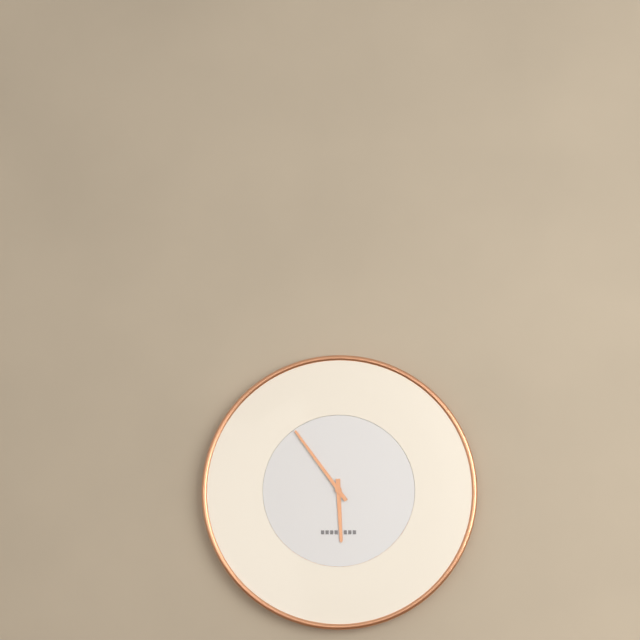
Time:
{"hour": 5, "minute": 54}
